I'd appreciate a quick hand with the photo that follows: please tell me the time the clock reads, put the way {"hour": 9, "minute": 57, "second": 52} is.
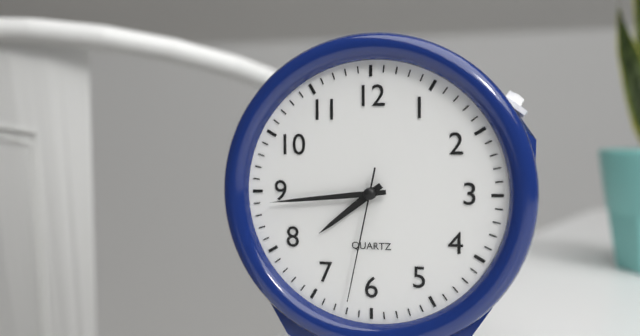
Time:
{"hour": 7, "minute": 44, "second": 32}
